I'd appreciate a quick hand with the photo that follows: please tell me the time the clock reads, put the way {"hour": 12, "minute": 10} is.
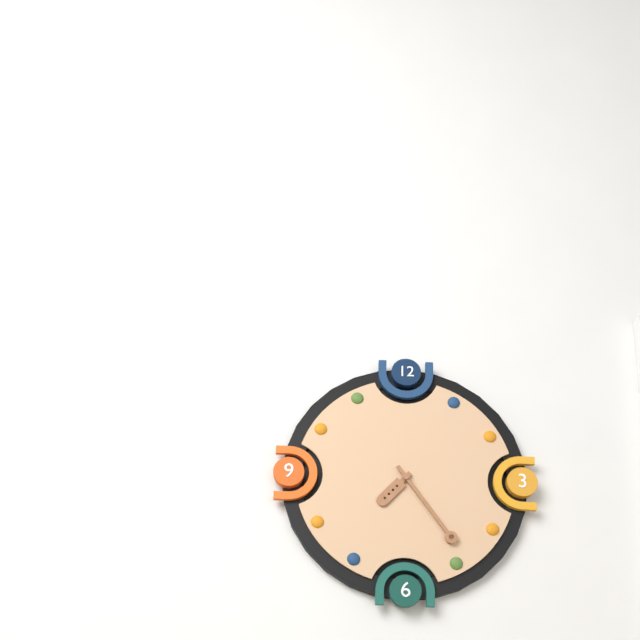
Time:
{"hour": 7, "minute": 24}
